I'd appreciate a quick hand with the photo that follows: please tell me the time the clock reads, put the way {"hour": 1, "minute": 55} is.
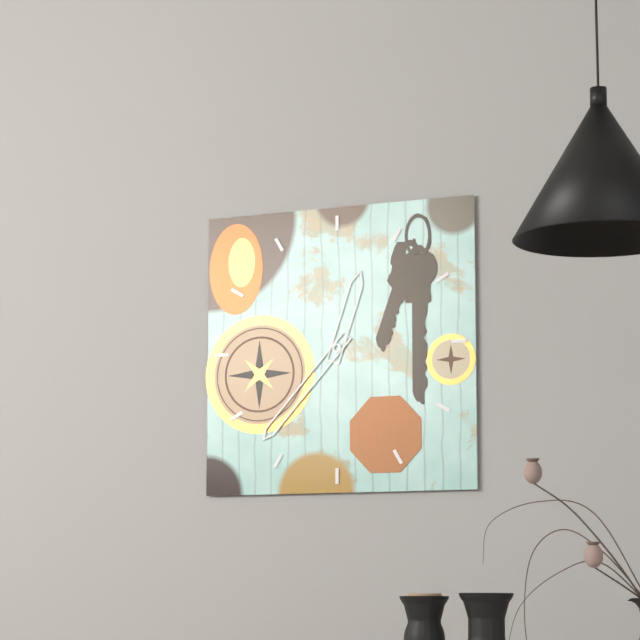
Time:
{"hour": 12, "minute": 37}
